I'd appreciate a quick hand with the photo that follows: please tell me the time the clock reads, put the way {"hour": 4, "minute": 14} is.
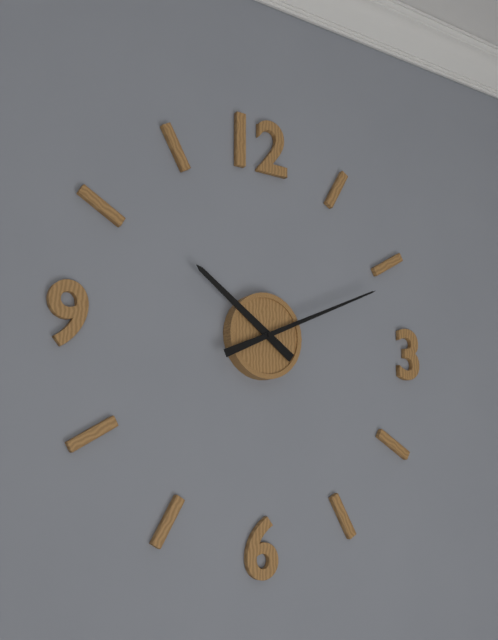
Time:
{"hour": 10, "minute": 11}
